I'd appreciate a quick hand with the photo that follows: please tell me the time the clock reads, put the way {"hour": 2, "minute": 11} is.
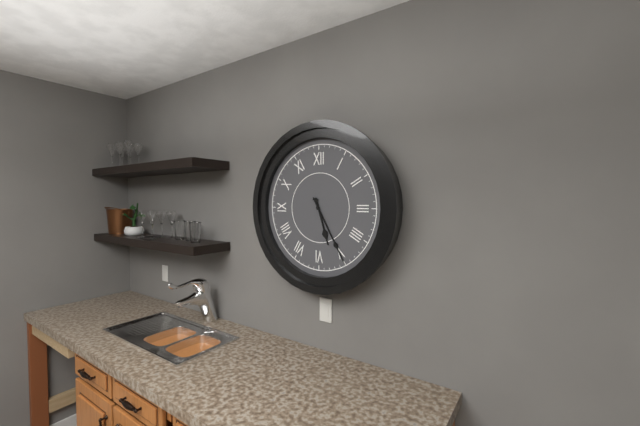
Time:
{"hour": 5, "minute": 25}
